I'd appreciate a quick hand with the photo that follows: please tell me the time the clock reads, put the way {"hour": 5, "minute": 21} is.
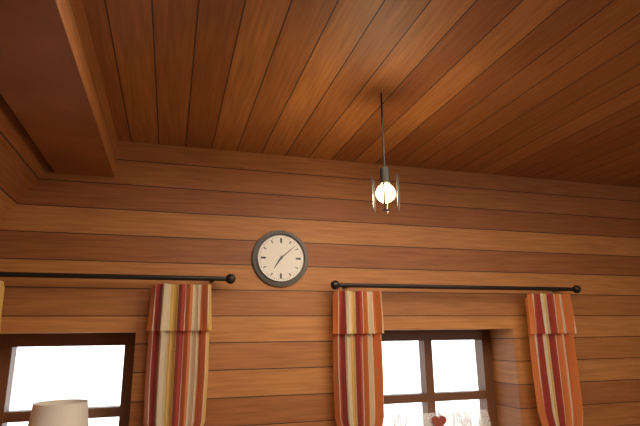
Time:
{"hour": 7, "minute": 8}
